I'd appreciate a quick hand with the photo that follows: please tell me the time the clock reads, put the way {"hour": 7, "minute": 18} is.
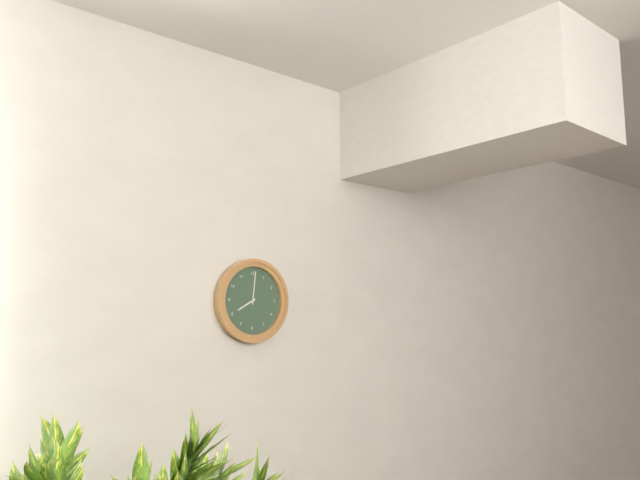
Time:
{"hour": 8, "minute": 1}
